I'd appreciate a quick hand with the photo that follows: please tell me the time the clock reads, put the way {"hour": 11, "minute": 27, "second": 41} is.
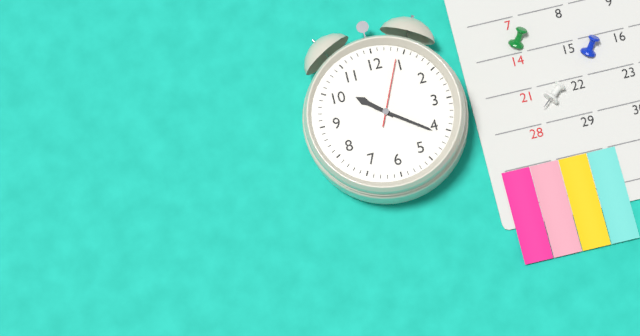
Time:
{"hour": 10, "minute": 21, "second": 4}
